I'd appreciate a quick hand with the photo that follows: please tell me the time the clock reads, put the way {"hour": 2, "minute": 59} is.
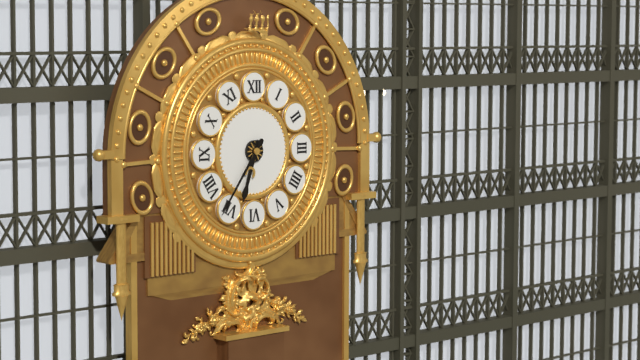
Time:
{"hour": 6, "minute": 36}
